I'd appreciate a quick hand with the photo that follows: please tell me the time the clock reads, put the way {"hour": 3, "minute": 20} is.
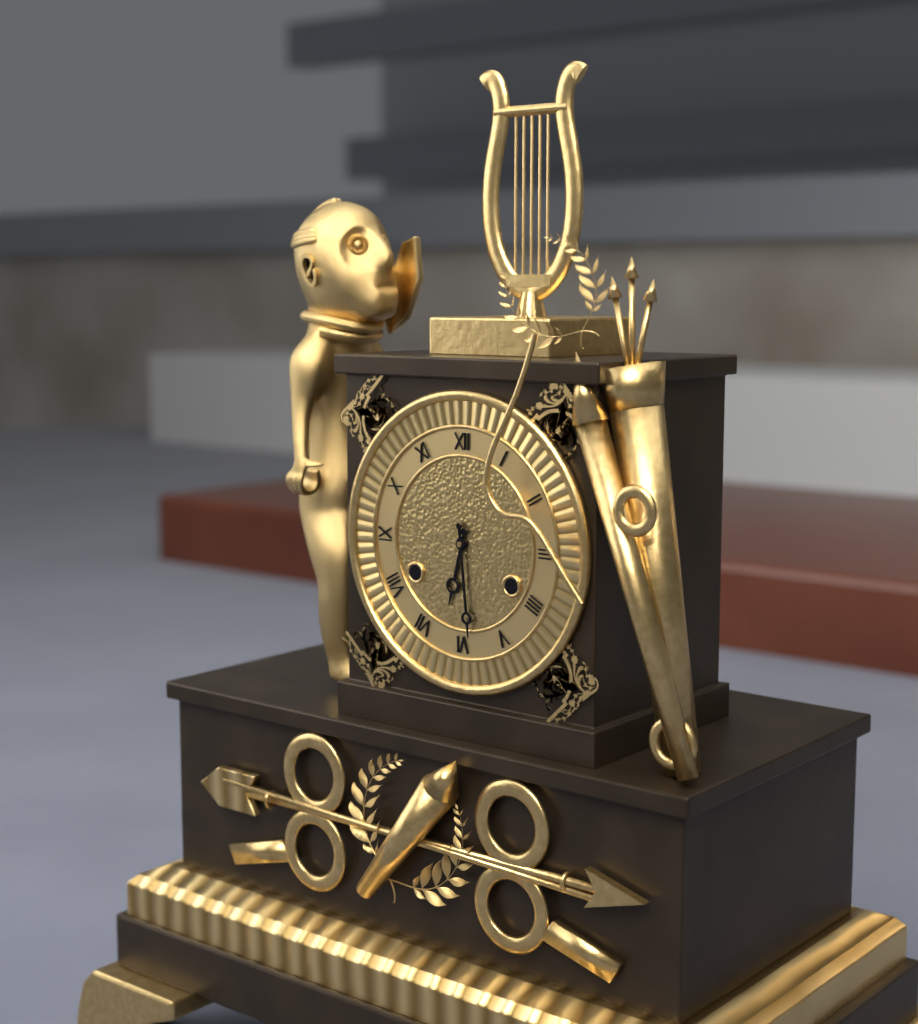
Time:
{"hour": 6, "minute": 29}
